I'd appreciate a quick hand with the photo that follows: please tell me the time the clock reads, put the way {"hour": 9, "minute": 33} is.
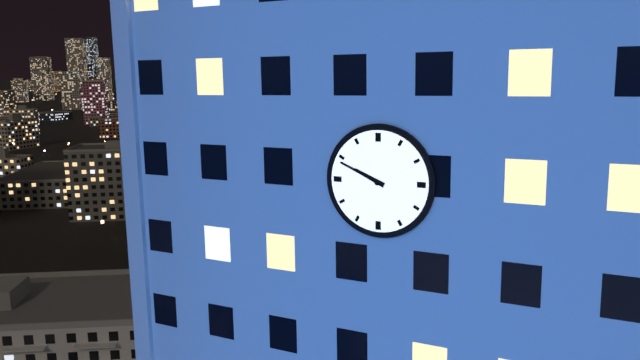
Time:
{"hour": 9, "minute": 49}
